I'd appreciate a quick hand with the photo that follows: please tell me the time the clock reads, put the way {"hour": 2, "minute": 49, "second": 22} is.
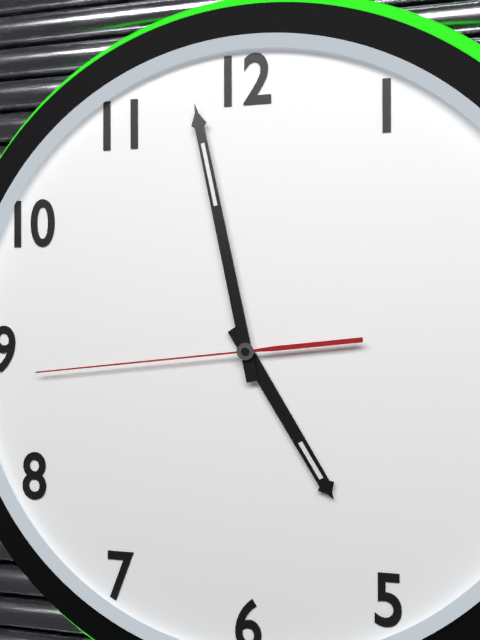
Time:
{"hour": 4, "minute": 58, "second": 44}
